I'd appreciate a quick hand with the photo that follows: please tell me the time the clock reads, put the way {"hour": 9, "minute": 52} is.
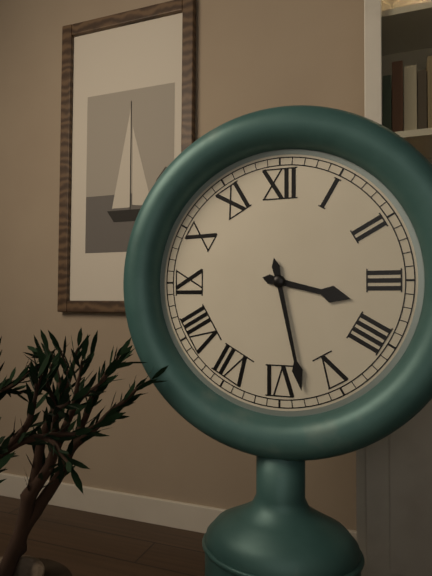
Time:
{"hour": 3, "minute": 28}
